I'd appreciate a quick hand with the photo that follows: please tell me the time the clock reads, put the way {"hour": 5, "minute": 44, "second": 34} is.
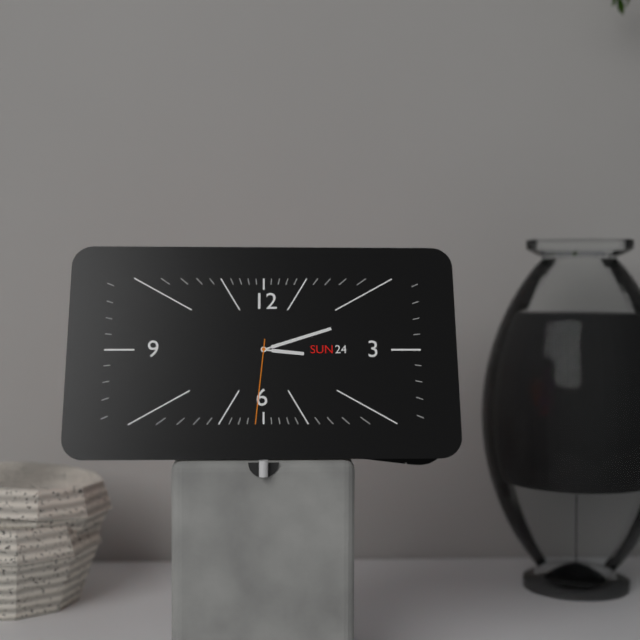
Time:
{"hour": 3, "minute": 12, "second": 31}
